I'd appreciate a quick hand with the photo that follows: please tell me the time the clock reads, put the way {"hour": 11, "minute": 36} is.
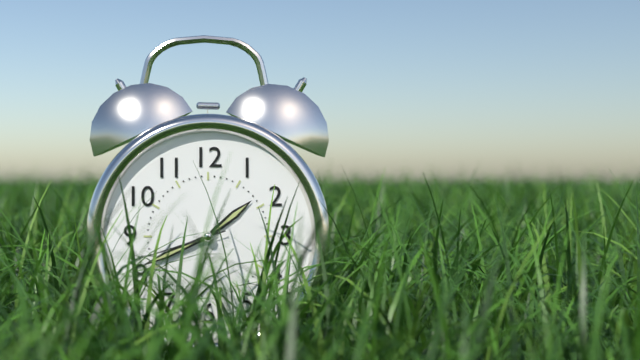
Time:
{"hour": 1, "minute": 41}
